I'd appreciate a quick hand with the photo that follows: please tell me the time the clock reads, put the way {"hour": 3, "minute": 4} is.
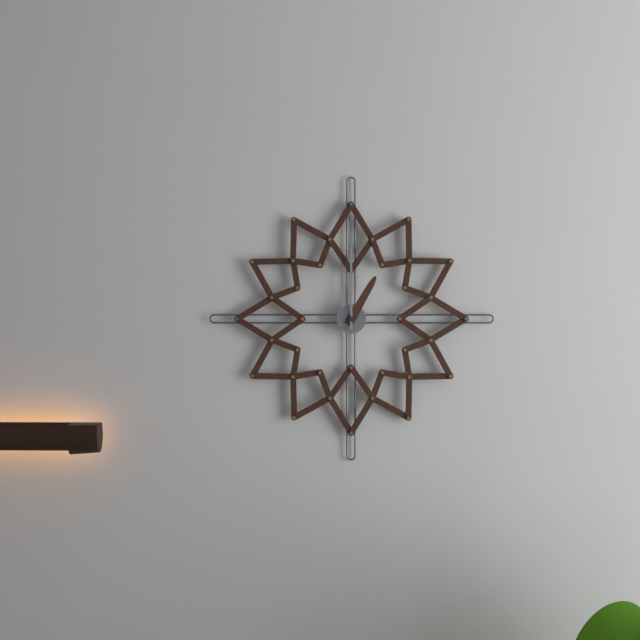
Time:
{"hour": 1, "minute": 0}
